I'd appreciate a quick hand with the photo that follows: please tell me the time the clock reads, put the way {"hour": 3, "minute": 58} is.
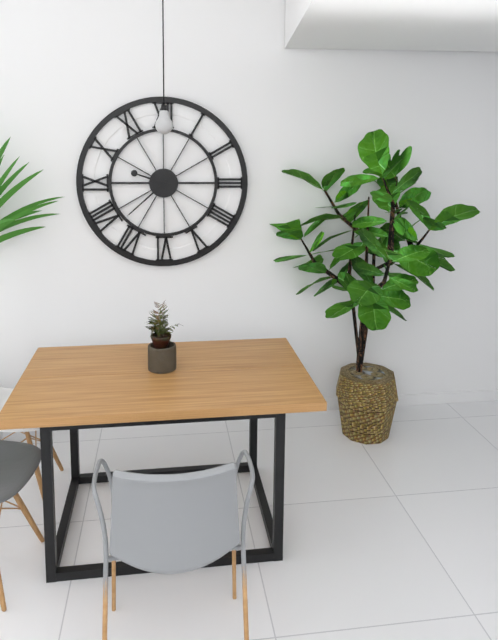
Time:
{"hour": 9, "minute": 38}
